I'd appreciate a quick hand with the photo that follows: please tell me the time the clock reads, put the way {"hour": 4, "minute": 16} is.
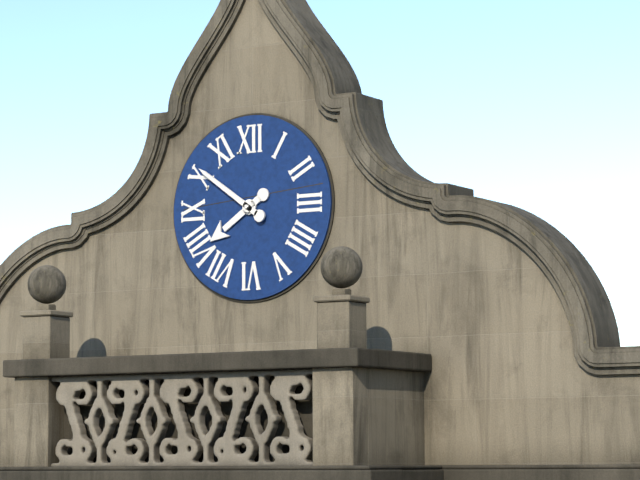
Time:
{"hour": 7, "minute": 51}
